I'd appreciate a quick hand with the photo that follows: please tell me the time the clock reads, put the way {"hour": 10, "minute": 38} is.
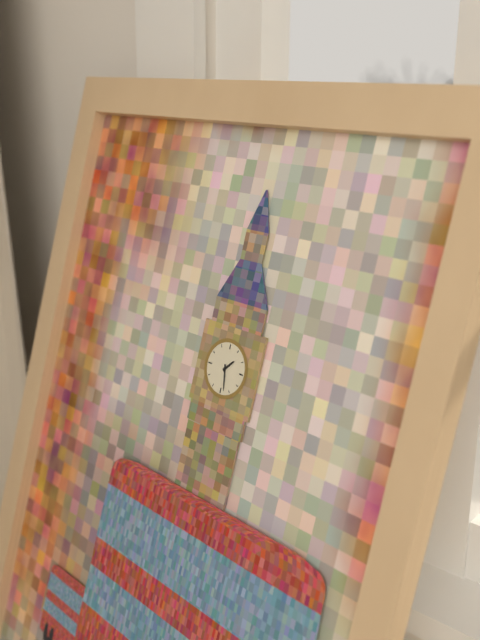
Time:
{"hour": 1, "minute": 28}
